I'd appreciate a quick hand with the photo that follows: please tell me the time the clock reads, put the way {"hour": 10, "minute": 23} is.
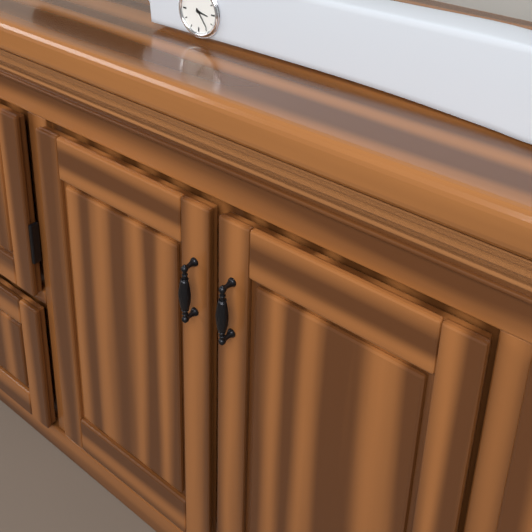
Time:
{"hour": 3, "minute": 24}
